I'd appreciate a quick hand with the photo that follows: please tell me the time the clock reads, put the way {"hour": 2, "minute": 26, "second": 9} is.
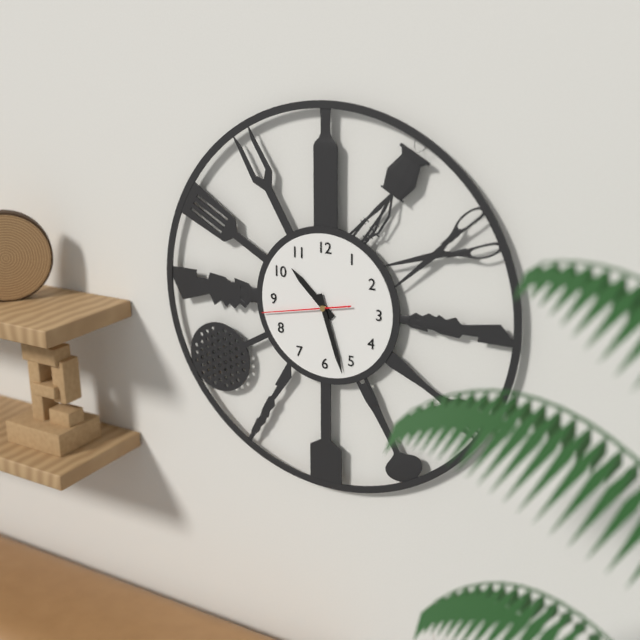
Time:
{"hour": 10, "minute": 27, "second": 43}
